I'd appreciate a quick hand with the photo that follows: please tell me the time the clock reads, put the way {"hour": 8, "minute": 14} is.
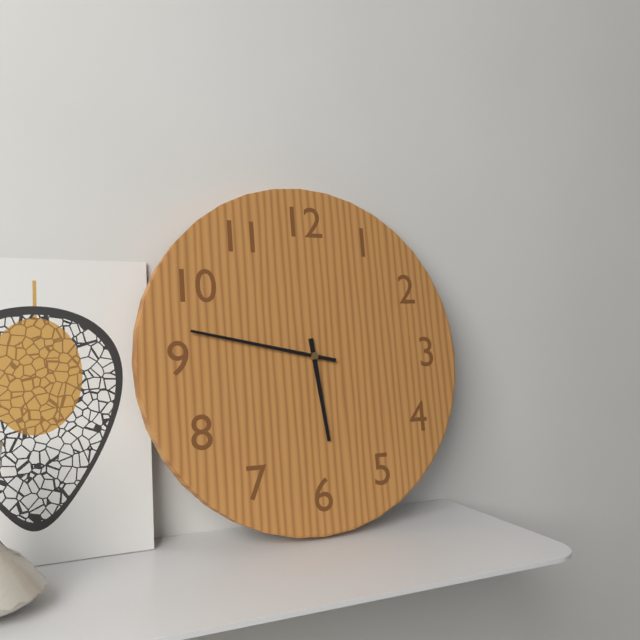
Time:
{"hour": 5, "minute": 47}
